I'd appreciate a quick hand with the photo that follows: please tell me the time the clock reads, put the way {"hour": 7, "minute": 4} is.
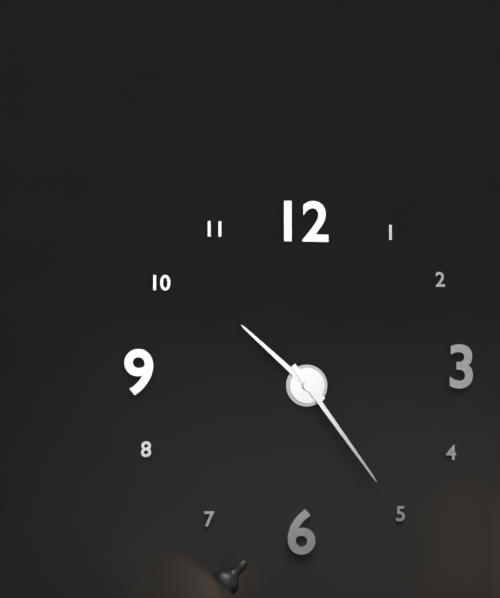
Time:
{"hour": 10, "minute": 24}
